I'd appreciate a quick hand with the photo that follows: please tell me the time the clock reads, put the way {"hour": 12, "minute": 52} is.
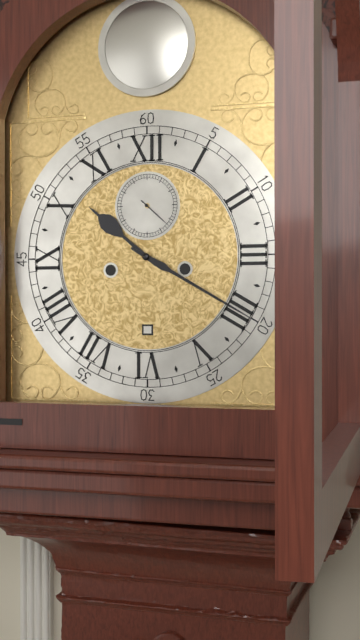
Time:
{"hour": 10, "minute": 20}
